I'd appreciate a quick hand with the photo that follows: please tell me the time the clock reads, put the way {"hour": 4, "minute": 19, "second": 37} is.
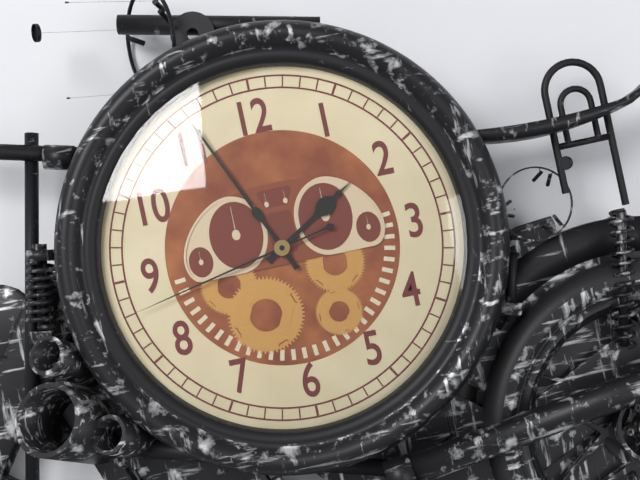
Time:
{"hour": 1, "minute": 56, "second": 43}
